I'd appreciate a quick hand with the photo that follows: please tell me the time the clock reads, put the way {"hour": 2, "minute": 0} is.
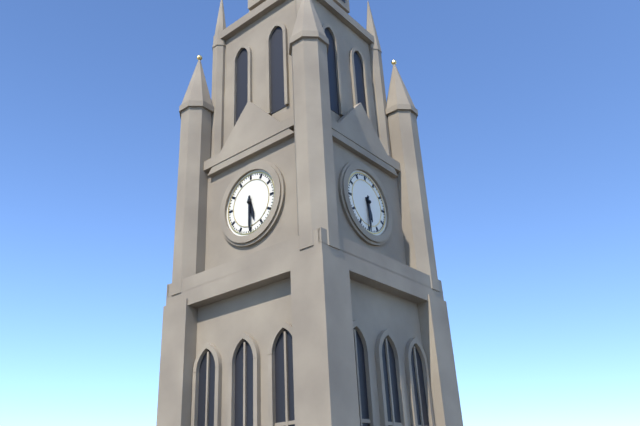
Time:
{"hour": 5, "minute": 30}
